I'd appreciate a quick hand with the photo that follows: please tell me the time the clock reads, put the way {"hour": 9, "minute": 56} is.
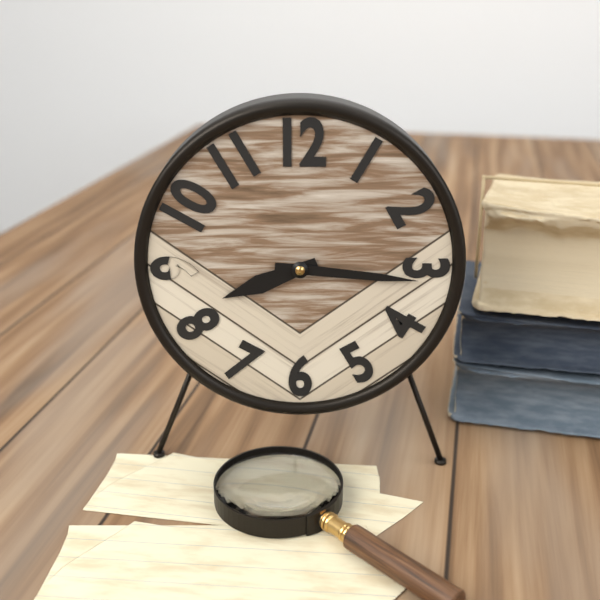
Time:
{"hour": 8, "minute": 16}
